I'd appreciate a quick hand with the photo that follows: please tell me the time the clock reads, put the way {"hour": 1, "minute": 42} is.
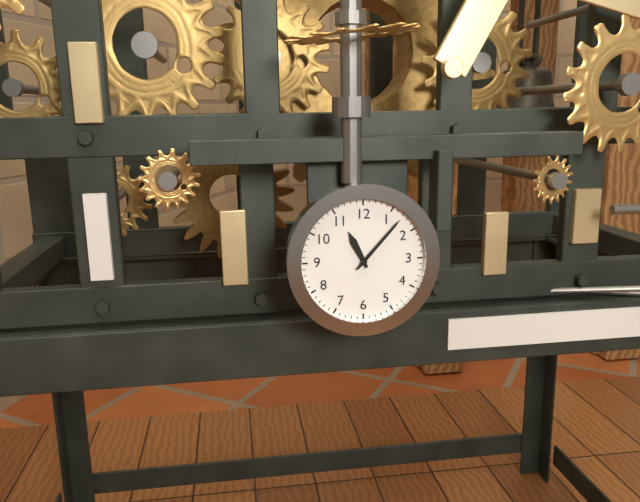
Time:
{"hour": 11, "minute": 7}
